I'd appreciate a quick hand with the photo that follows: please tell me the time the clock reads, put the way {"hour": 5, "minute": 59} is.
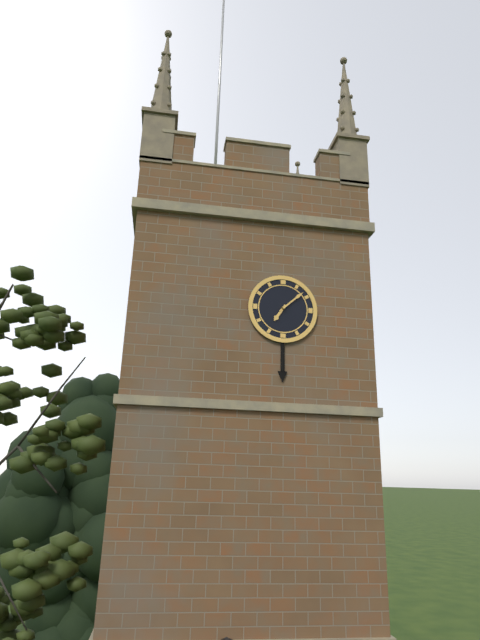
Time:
{"hour": 7, "minute": 8}
